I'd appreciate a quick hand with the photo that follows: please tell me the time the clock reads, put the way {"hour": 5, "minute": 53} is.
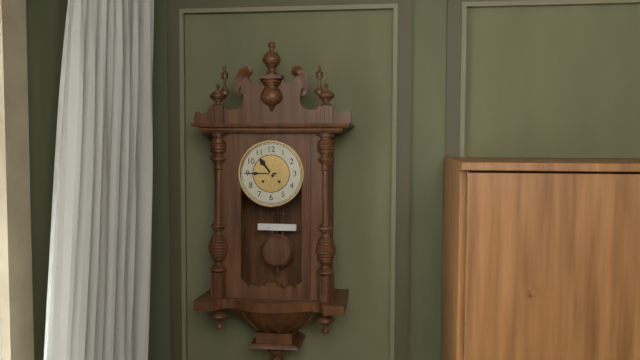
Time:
{"hour": 10, "minute": 45}
